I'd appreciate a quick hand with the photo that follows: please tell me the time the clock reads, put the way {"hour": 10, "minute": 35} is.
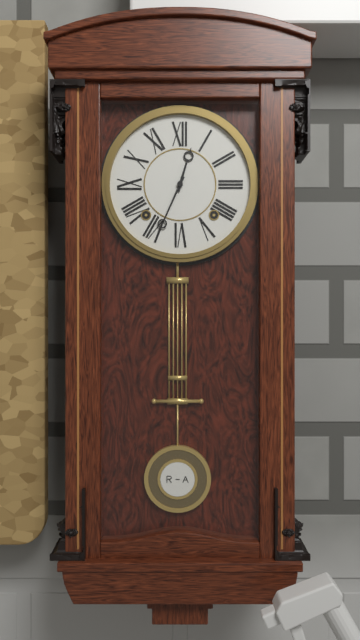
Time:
{"hour": 12, "minute": 34}
